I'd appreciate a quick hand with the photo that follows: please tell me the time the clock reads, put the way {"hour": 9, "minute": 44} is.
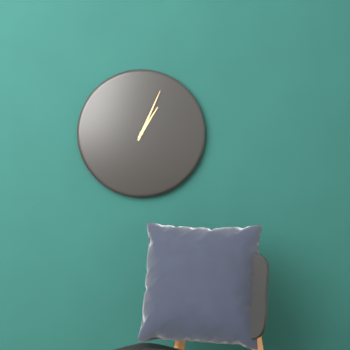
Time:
{"hour": 1, "minute": 4}
